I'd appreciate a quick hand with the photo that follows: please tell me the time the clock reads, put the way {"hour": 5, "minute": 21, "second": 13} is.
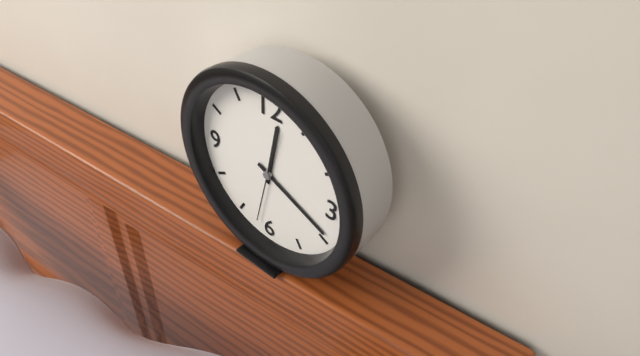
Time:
{"hour": 12, "minute": 19, "second": 32}
